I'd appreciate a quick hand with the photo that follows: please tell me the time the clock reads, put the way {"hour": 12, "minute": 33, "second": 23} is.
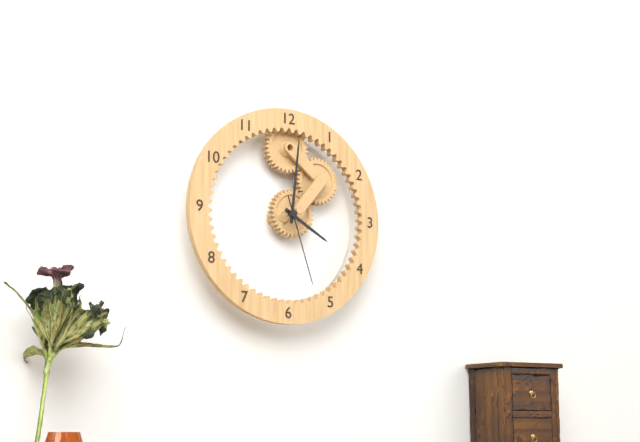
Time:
{"hour": 4, "minute": 1, "second": 27}
